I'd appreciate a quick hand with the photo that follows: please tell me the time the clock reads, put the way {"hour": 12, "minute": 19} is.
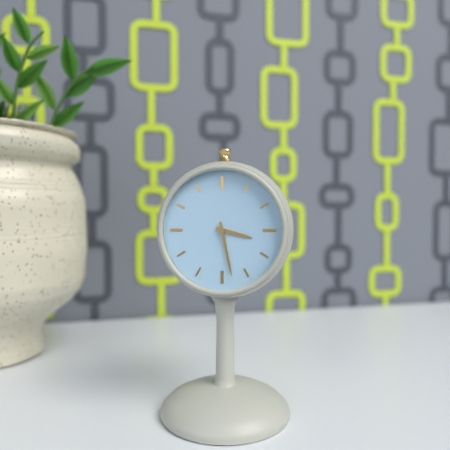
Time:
{"hour": 3, "minute": 28}
